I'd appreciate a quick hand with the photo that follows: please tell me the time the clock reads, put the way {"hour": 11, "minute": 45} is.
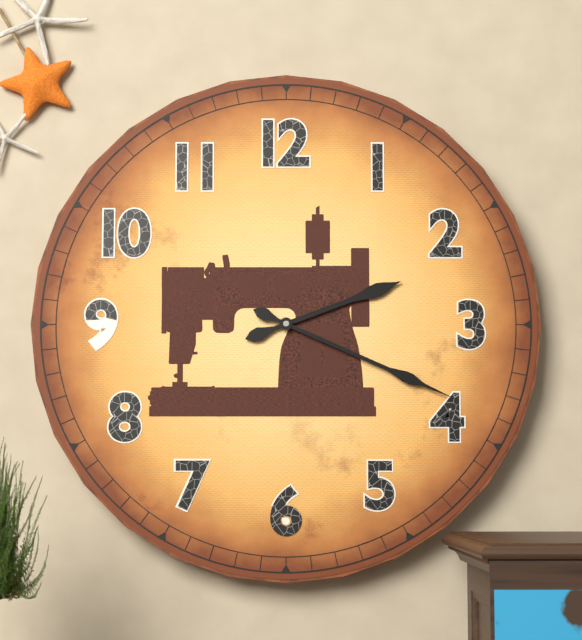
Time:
{"hour": 2, "minute": 19}
